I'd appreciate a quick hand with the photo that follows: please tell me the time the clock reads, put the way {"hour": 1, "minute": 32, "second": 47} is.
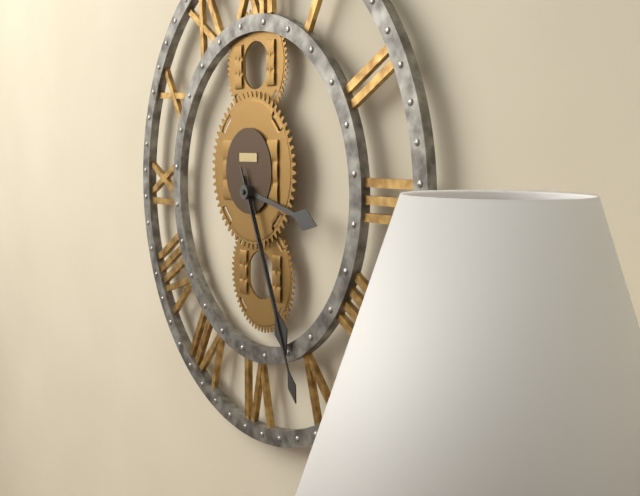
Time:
{"hour": 3, "minute": 26, "second": 26}
